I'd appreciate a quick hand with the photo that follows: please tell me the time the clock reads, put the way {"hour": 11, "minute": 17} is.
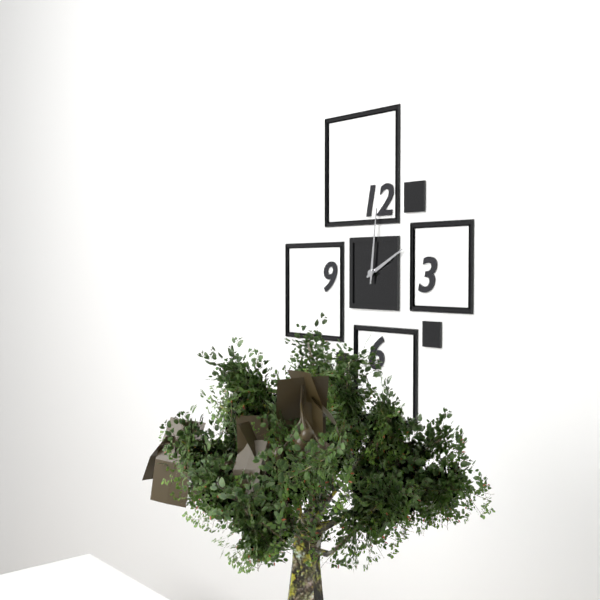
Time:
{"hour": 2, "minute": 1}
